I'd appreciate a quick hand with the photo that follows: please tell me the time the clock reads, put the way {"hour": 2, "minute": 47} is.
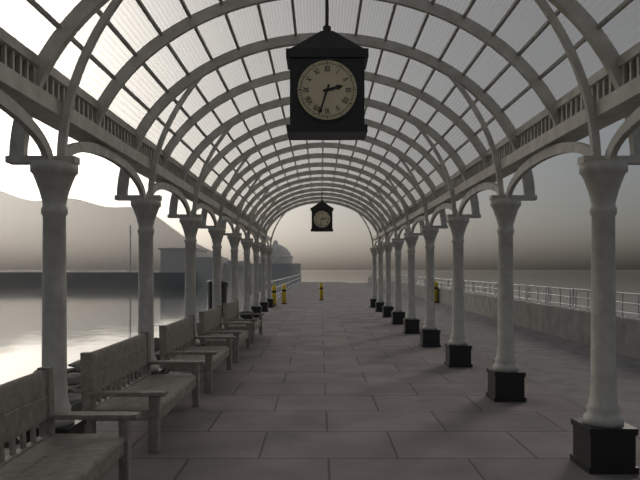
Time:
{"hour": 2, "minute": 33}
